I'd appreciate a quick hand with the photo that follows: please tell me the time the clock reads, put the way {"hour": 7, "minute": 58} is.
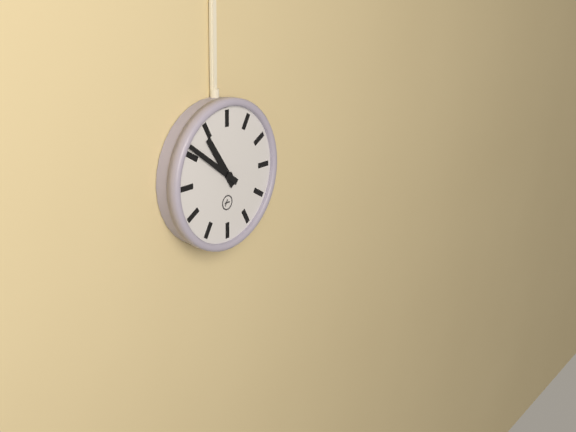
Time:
{"hour": 10, "minute": 51}
